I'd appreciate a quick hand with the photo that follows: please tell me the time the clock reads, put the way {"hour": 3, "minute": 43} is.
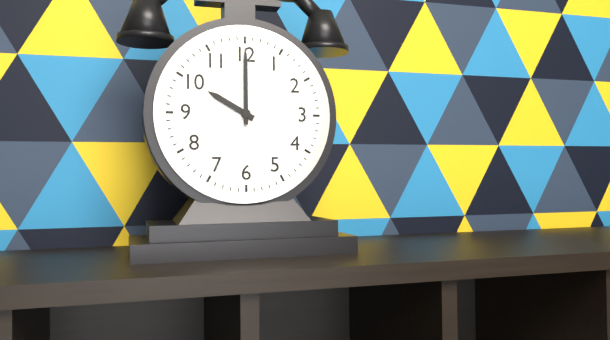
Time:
{"hour": 10, "minute": 0}
